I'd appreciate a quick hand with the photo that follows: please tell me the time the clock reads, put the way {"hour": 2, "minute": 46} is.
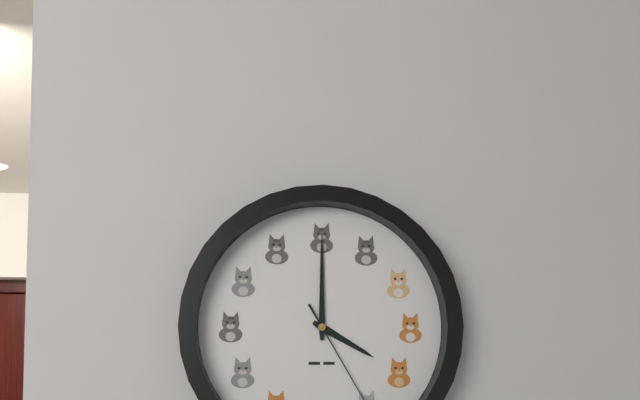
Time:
{"hour": 4, "minute": 0}
